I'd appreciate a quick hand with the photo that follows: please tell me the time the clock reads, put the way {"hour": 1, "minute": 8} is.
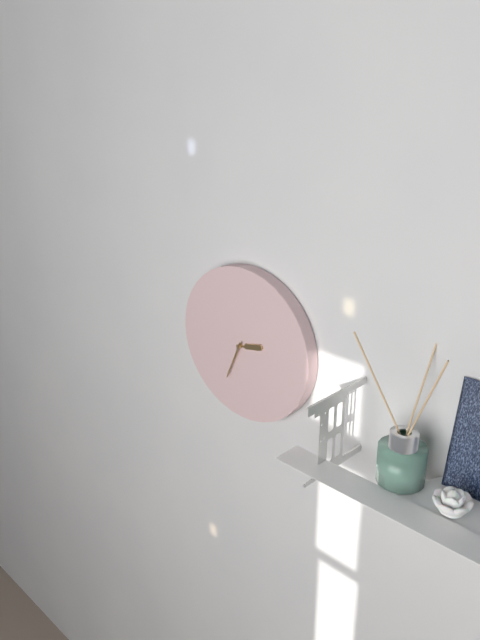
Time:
{"hour": 2, "minute": 34}
